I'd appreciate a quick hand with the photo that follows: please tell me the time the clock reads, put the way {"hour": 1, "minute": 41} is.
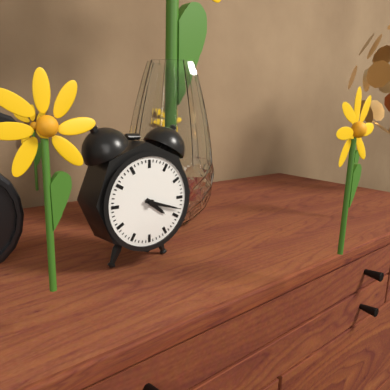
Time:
{"hour": 4, "minute": 18}
